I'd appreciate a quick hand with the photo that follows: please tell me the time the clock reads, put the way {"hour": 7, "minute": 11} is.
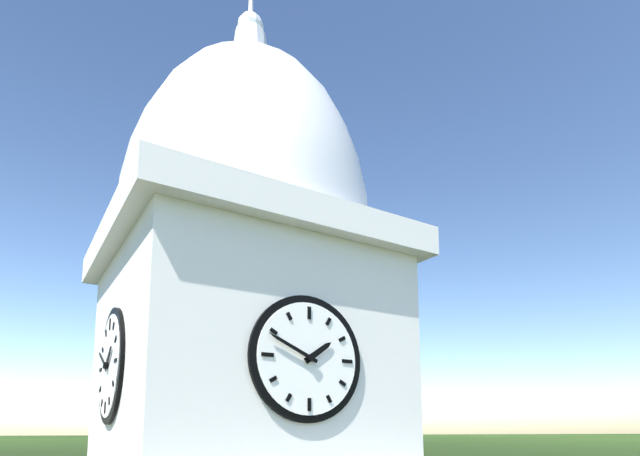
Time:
{"hour": 1, "minute": 49}
